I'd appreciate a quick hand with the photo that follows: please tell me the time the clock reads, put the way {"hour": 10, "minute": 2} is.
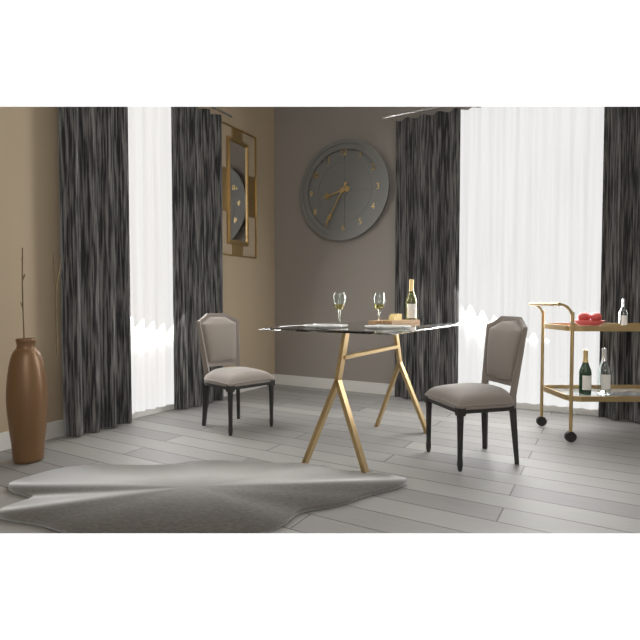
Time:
{"hour": 8, "minute": 35}
